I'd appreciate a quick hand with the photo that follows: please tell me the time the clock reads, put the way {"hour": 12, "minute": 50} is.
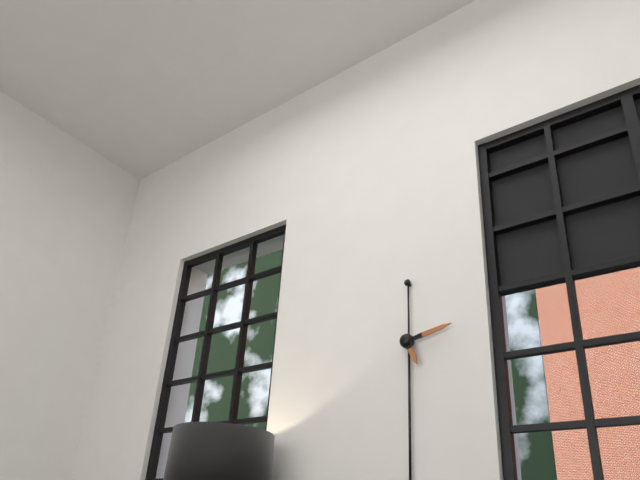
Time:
{"hour": 5, "minute": 13}
